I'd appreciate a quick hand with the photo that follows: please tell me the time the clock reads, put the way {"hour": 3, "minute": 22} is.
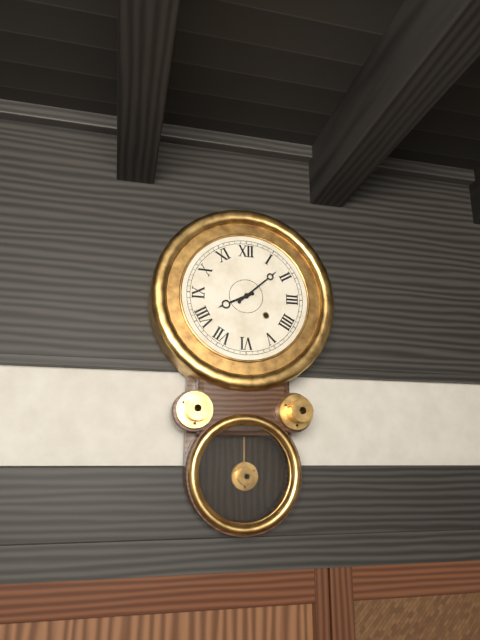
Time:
{"hour": 8, "minute": 8}
